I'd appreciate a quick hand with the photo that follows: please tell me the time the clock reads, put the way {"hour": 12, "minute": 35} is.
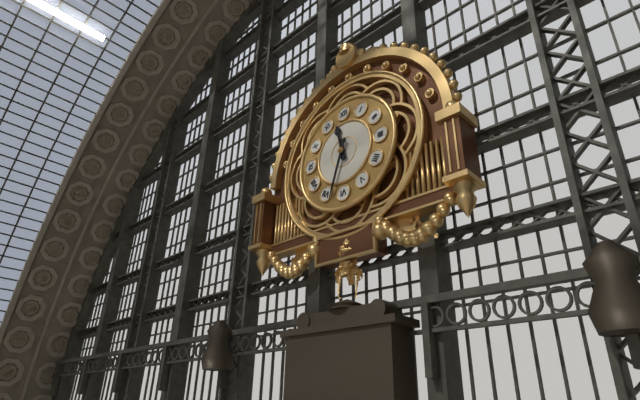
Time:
{"hour": 11, "minute": 33}
